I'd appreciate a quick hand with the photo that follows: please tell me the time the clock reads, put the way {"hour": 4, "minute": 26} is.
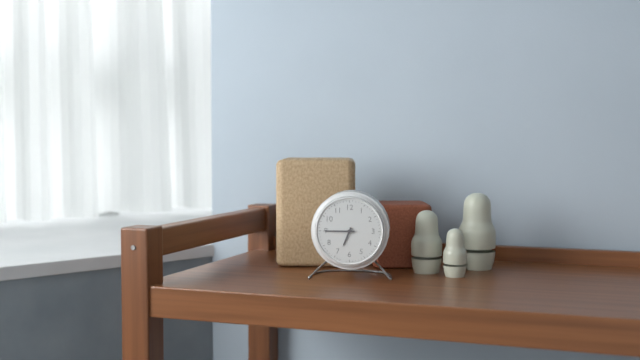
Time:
{"hour": 6, "minute": 45}
